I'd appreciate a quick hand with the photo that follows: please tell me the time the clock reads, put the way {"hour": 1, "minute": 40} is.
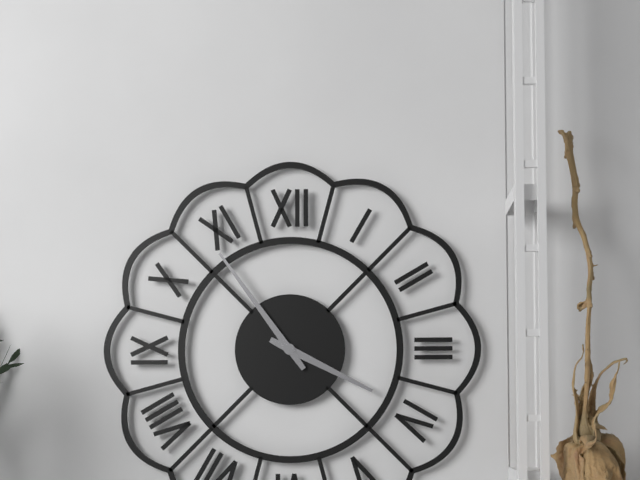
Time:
{"hour": 3, "minute": 54}
